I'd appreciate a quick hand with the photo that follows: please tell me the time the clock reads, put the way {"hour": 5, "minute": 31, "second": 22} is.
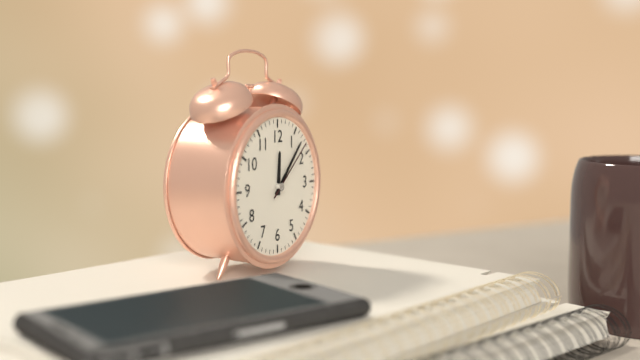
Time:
{"hour": 12, "minute": 7, "second": 8}
